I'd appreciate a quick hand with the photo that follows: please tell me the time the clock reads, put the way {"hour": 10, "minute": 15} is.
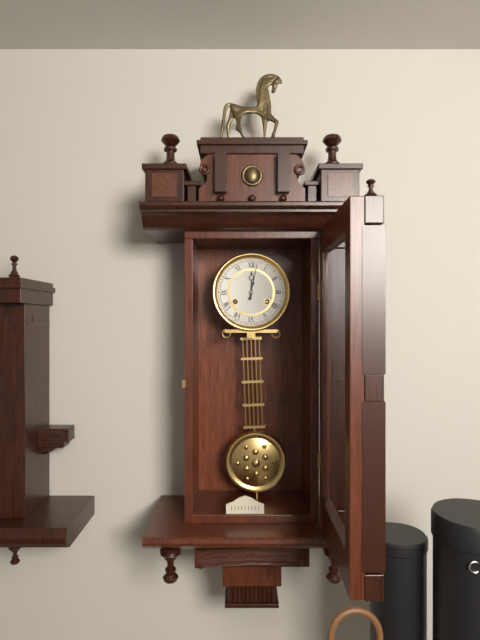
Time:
{"hour": 12, "minute": 2}
